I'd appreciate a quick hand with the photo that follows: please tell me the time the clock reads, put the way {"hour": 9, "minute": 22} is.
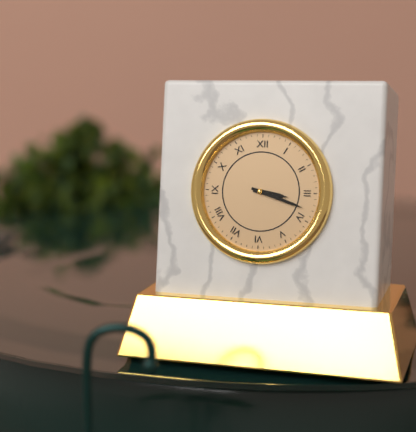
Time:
{"hour": 3, "minute": 18}
